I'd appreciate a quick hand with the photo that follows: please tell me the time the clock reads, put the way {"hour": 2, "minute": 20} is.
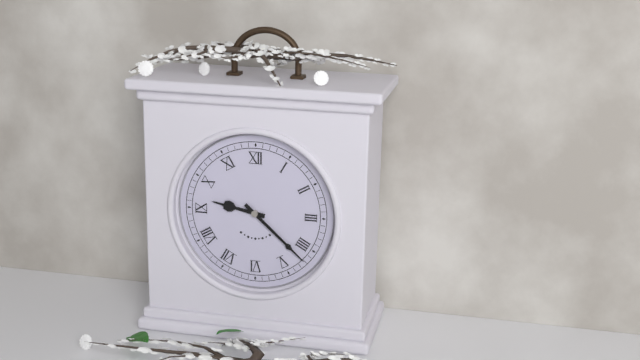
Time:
{"hour": 9, "minute": 22}
